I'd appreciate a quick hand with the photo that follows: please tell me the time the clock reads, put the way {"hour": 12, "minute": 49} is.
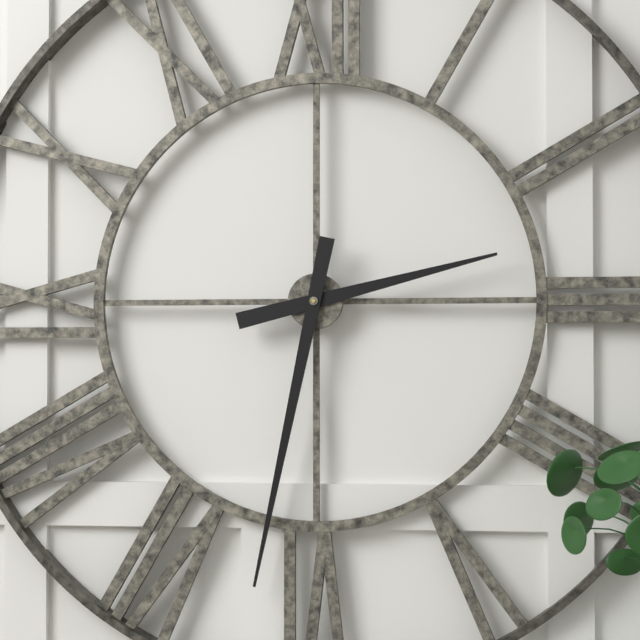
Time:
{"hour": 2, "minute": 32}
